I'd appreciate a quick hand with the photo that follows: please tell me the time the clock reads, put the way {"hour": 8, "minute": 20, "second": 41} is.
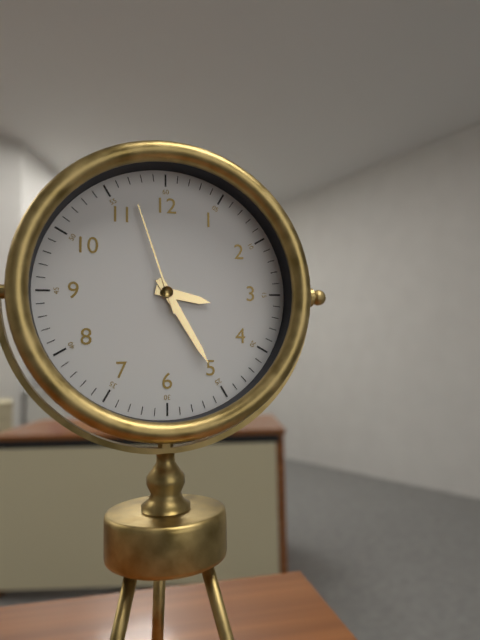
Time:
{"hour": 3, "minute": 25, "second": 57}
